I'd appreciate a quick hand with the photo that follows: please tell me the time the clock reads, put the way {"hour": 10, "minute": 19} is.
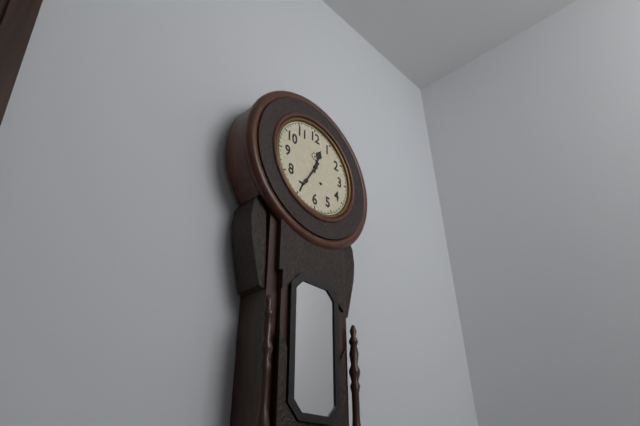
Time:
{"hour": 12, "minute": 35}
